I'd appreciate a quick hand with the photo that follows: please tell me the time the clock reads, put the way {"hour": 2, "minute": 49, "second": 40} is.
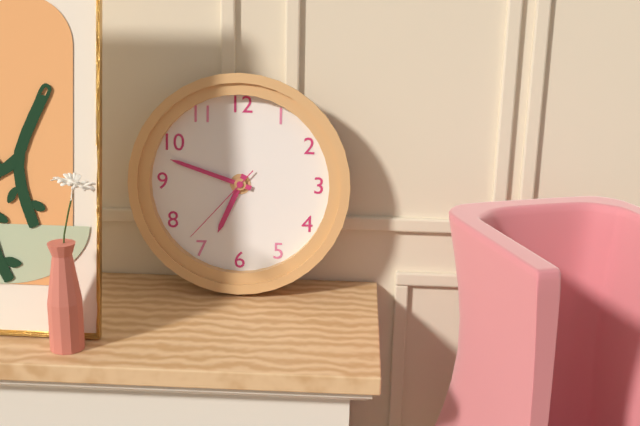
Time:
{"hour": 6, "minute": 48, "second": 37}
